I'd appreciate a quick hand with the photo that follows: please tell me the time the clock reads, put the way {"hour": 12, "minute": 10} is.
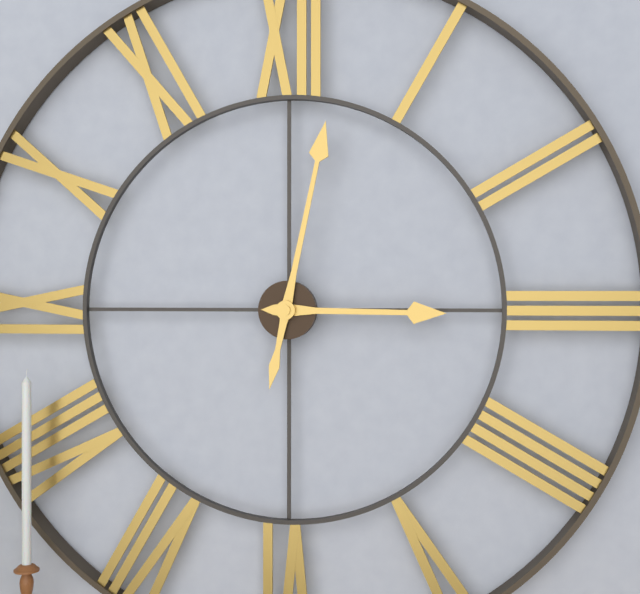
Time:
{"hour": 3, "minute": 2}
